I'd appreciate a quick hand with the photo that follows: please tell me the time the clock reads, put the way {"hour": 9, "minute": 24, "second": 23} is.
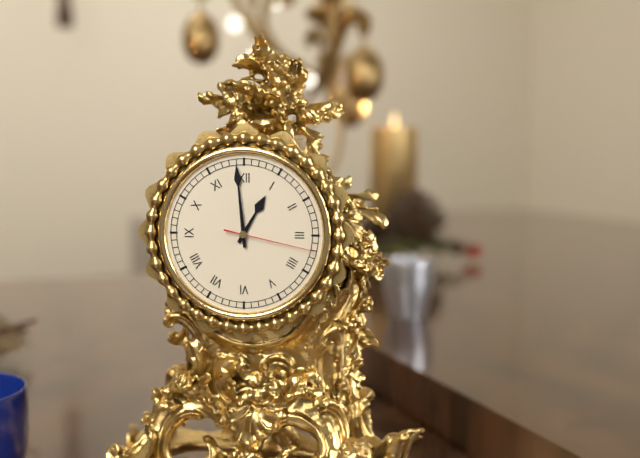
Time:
{"hour": 12, "minute": 59, "second": 17}
